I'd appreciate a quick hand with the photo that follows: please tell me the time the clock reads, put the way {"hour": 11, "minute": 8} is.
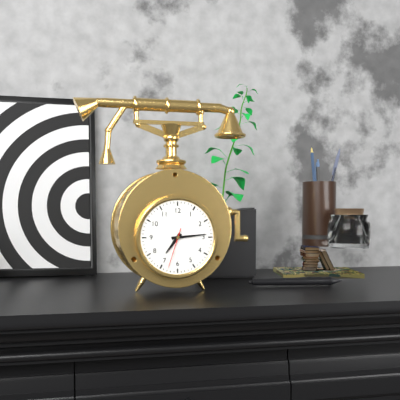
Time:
{"hour": 7, "minute": 14}
